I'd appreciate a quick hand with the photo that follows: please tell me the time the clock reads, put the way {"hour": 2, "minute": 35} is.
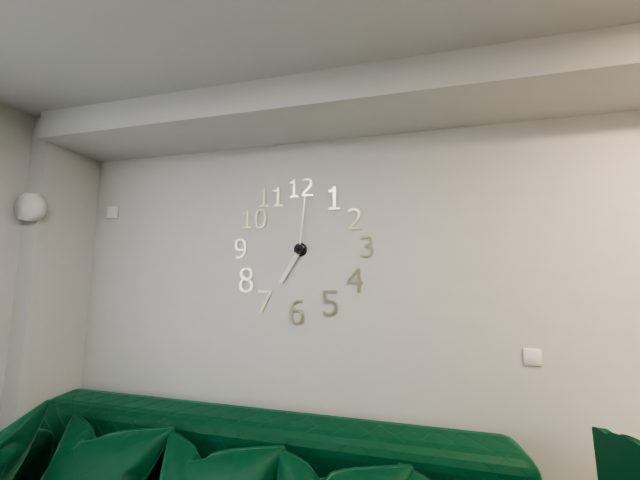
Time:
{"hour": 7, "minute": 1}
